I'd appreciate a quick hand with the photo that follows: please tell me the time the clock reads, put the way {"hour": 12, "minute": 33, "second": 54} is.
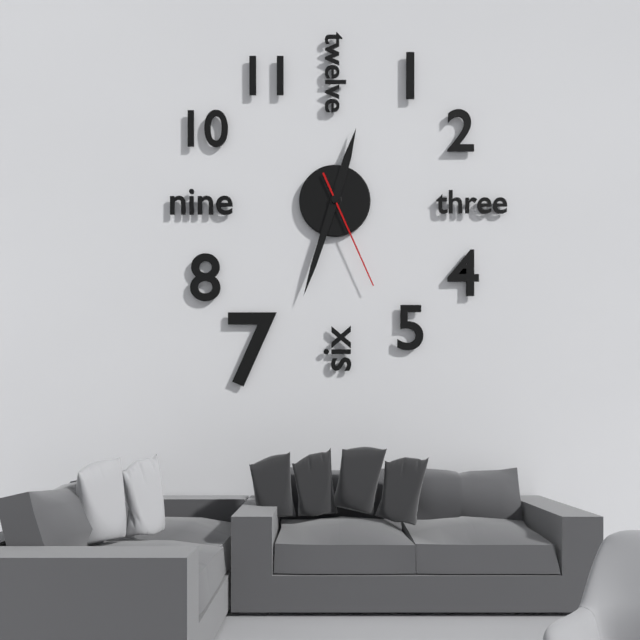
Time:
{"hour": 12, "minute": 33, "second": 26}
